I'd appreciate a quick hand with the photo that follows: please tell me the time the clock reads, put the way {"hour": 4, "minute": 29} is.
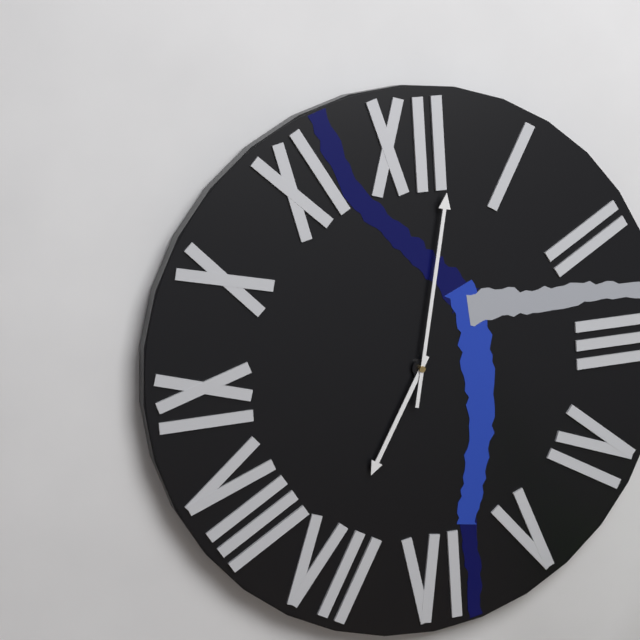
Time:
{"hour": 7, "minute": 2}
